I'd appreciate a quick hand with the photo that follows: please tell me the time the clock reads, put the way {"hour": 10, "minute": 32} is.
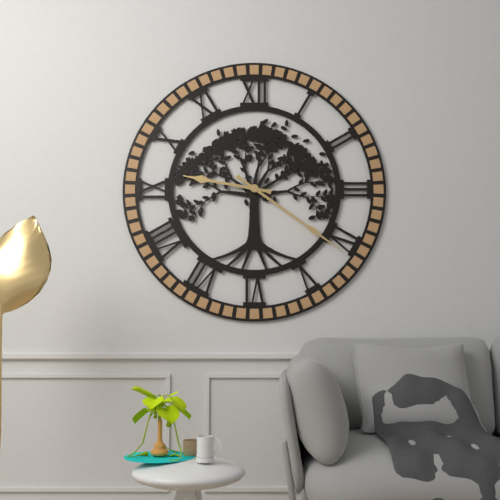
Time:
{"hour": 9, "minute": 21}
